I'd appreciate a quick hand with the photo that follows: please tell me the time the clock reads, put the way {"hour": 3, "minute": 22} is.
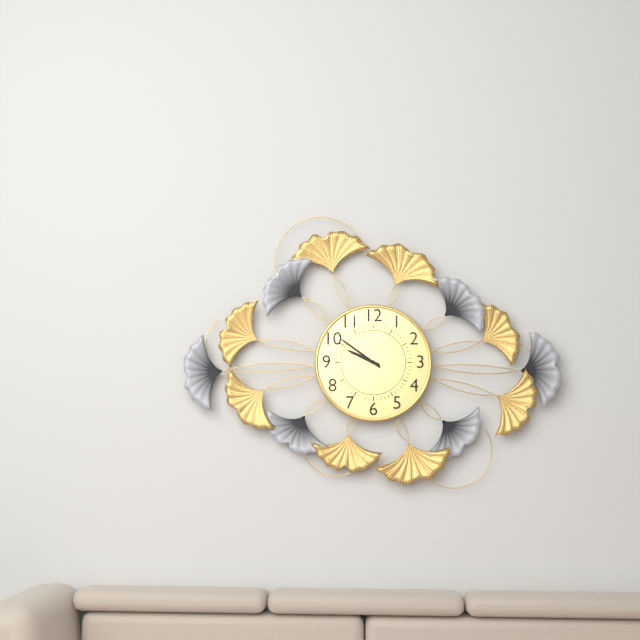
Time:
{"hour": 9, "minute": 51}
